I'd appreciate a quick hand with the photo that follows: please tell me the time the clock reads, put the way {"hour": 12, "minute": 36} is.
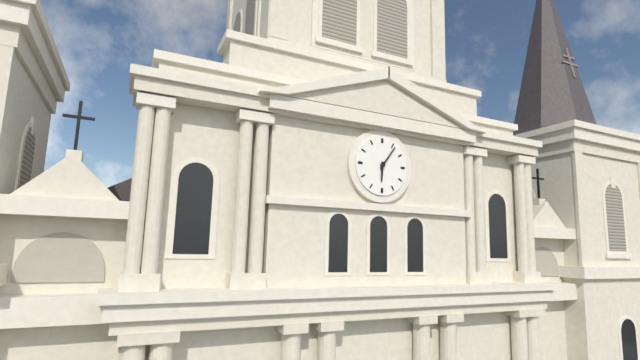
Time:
{"hour": 6, "minute": 6}
